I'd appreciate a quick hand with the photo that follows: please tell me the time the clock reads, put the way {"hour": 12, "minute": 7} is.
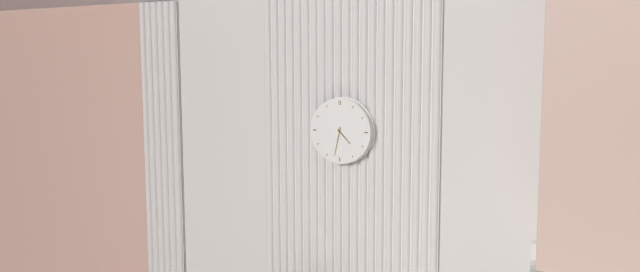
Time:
{"hour": 4, "minute": 32}
